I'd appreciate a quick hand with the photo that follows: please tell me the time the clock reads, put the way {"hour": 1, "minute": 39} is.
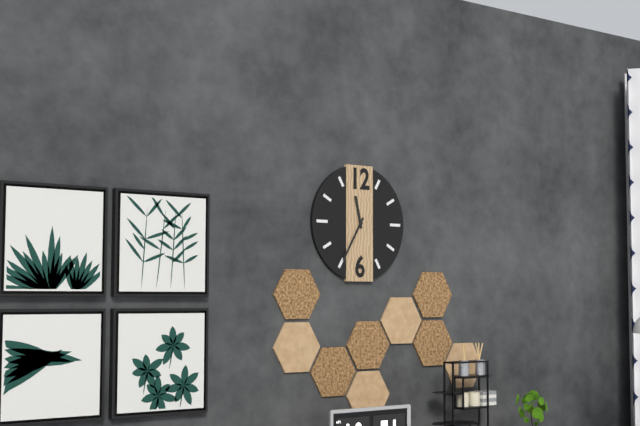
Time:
{"hour": 11, "minute": 35}
